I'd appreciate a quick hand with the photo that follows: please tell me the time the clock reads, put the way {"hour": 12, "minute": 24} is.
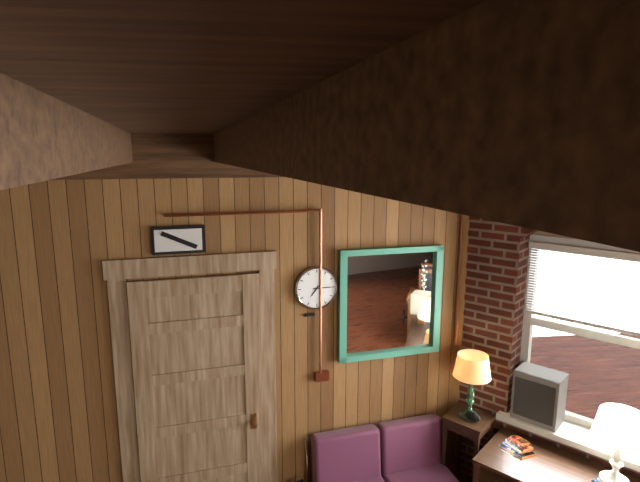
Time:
{"hour": 7, "minute": 15}
